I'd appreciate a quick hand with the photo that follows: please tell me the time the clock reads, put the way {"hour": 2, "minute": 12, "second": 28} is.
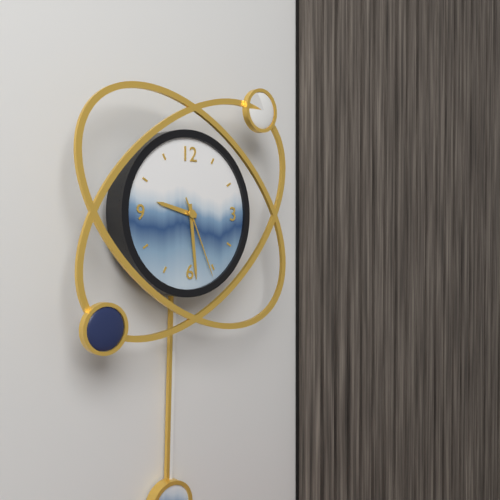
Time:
{"hour": 9, "minute": 29, "second": 26}
